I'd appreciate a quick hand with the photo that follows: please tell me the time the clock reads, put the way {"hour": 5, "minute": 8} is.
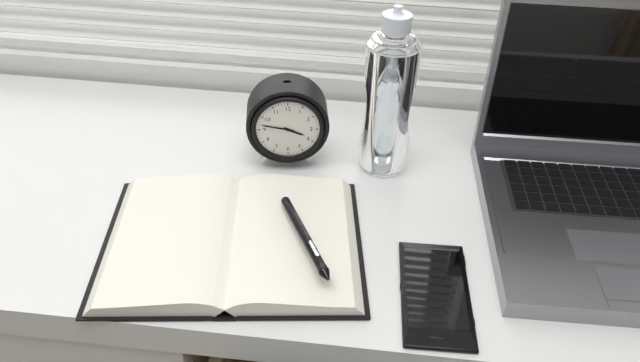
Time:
{"hour": 3, "minute": 47}
